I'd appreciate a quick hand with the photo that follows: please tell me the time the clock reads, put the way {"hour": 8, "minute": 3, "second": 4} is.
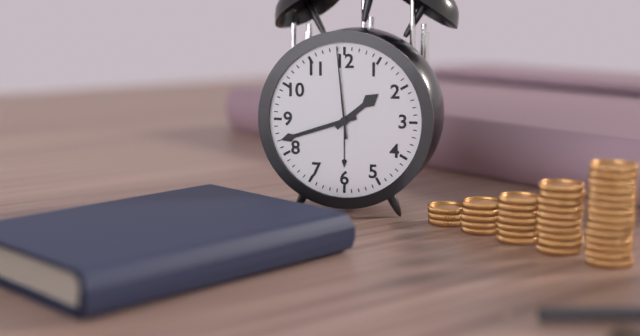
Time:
{"hour": 1, "minute": 42, "second": 59}
